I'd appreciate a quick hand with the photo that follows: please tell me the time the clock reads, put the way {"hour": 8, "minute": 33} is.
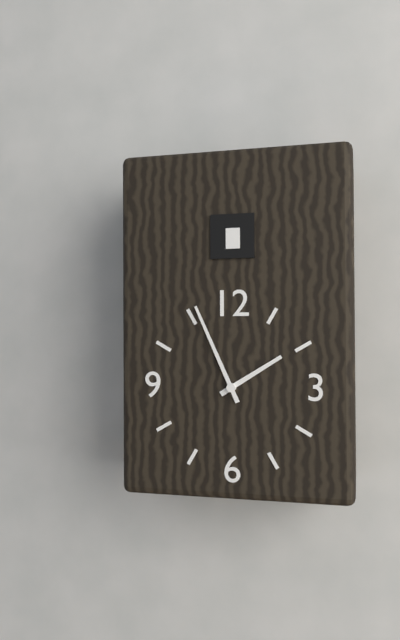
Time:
{"hour": 1, "minute": 56}
